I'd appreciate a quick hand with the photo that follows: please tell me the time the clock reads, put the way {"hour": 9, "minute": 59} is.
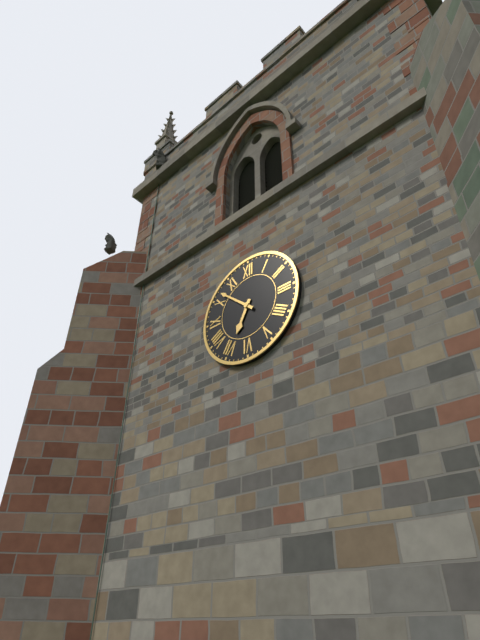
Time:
{"hour": 6, "minute": 52}
